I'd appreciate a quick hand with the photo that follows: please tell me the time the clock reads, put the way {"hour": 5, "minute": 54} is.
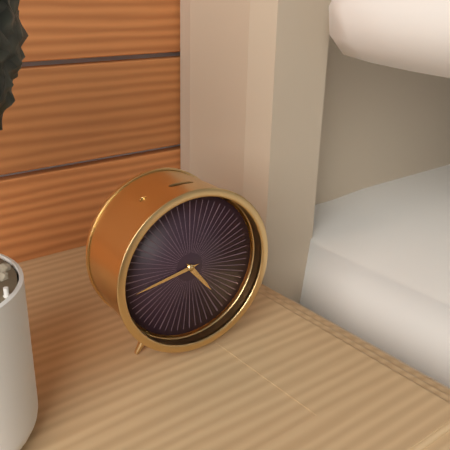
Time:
{"hour": 4, "minute": 43}
